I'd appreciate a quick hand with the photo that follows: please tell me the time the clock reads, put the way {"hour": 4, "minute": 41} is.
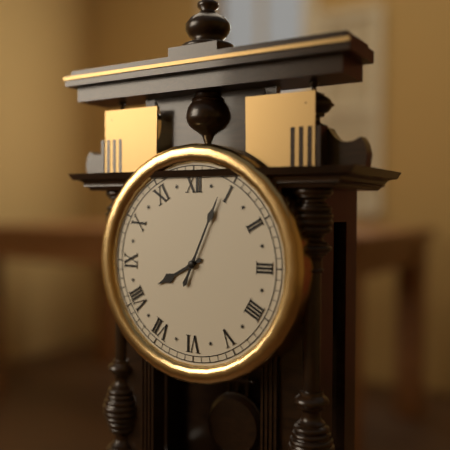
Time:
{"hour": 8, "minute": 4}
